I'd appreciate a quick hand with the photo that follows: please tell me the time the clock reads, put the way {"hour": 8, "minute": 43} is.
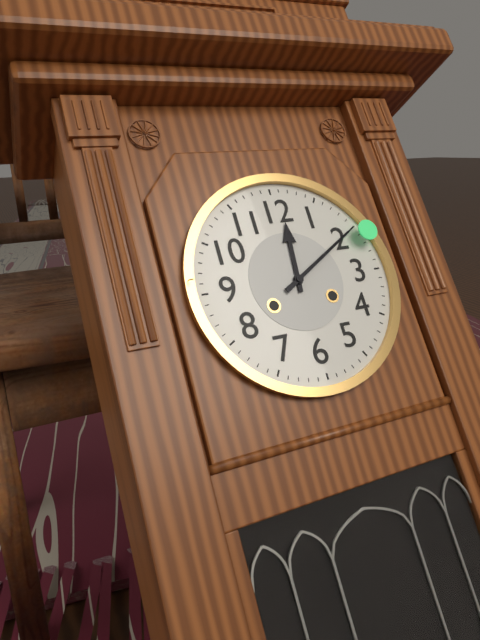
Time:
{"hour": 12, "minute": 10}
